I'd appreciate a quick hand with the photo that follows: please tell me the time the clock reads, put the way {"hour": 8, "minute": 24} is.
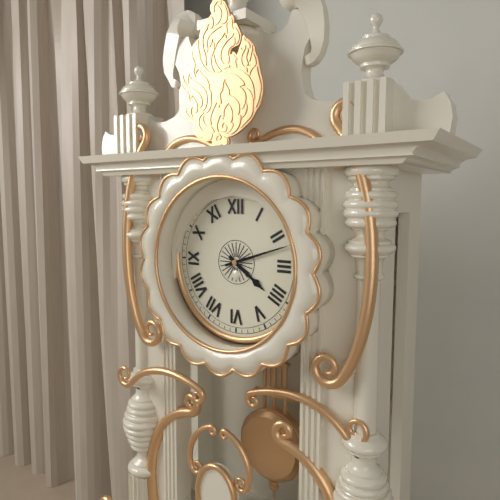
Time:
{"hour": 4, "minute": 12}
